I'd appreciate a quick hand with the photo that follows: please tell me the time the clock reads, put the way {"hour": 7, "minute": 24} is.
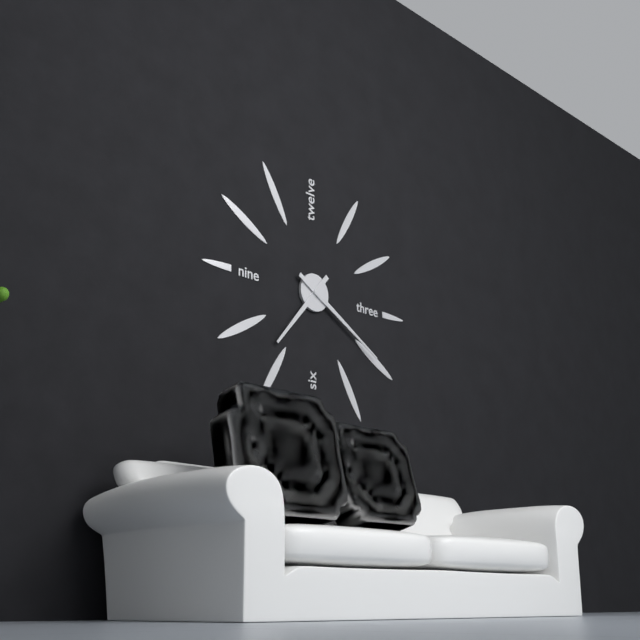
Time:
{"hour": 7, "minute": 20}
